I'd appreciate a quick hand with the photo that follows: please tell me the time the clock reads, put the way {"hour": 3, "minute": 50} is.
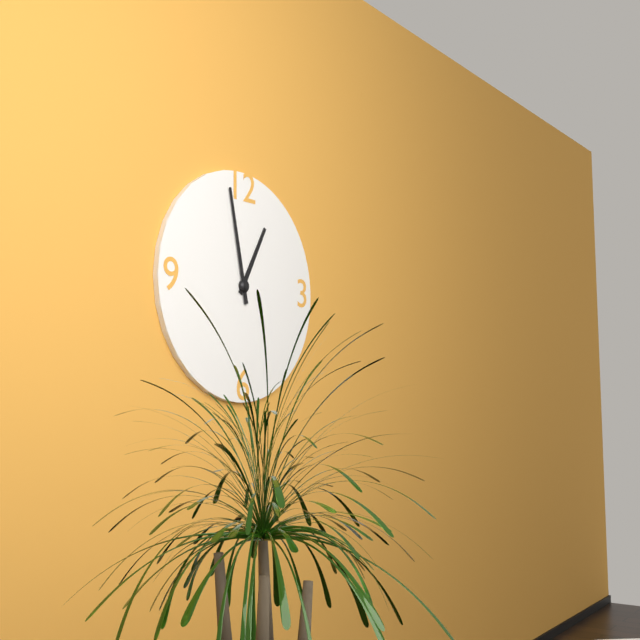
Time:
{"hour": 12, "minute": 58}
